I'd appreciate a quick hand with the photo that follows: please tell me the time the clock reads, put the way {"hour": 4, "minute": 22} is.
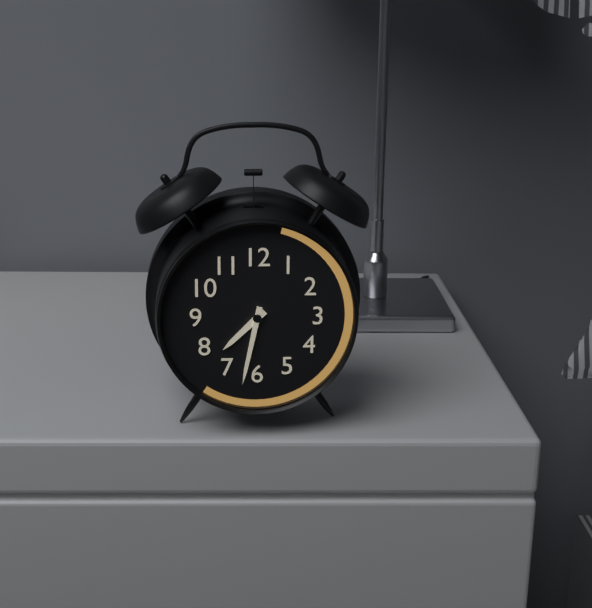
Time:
{"hour": 7, "minute": 32}
